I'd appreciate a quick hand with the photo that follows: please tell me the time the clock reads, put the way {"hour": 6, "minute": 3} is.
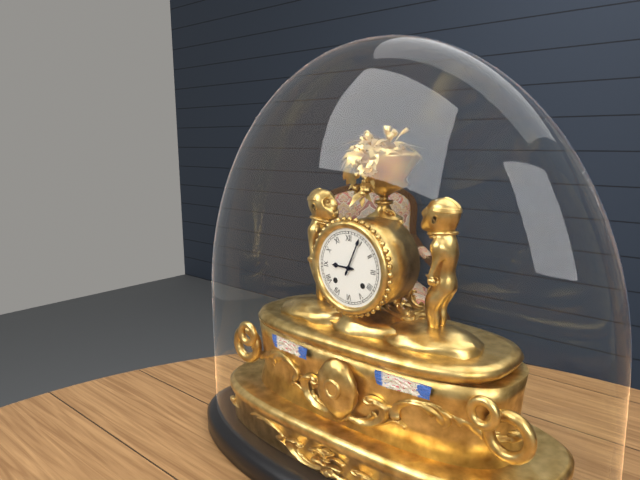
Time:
{"hour": 9, "minute": 4}
